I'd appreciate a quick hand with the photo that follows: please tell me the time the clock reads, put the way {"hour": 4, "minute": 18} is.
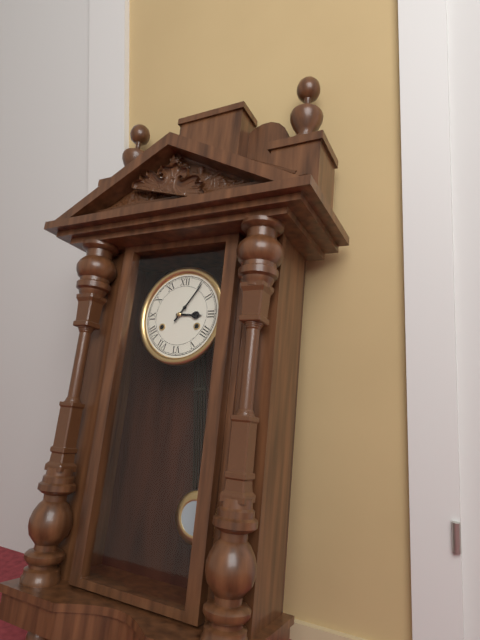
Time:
{"hour": 3, "minute": 6}
